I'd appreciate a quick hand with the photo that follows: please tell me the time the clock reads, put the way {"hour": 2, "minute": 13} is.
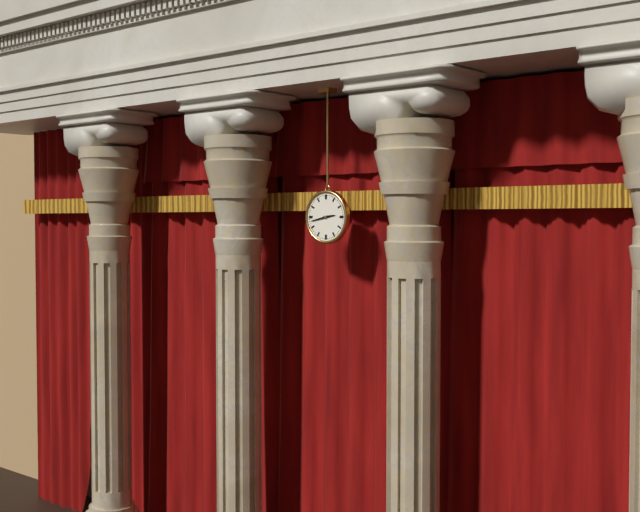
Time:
{"hour": 2, "minute": 43}
